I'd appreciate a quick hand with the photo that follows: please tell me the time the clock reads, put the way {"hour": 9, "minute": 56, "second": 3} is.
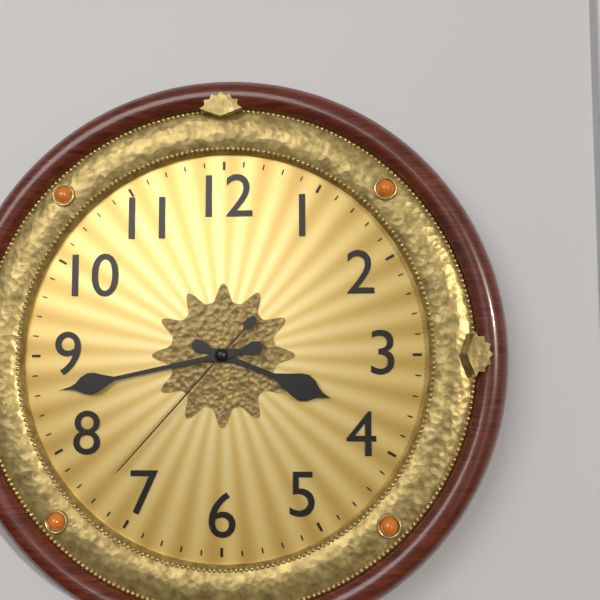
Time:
{"hour": 3, "minute": 43, "second": 37}
